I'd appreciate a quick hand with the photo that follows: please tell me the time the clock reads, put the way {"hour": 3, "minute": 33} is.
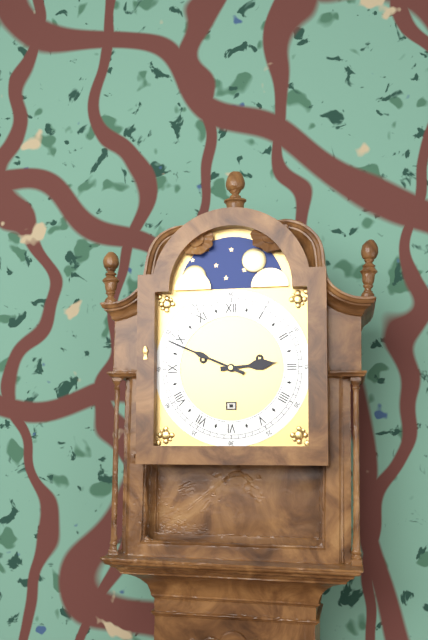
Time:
{"hour": 2, "minute": 49}
